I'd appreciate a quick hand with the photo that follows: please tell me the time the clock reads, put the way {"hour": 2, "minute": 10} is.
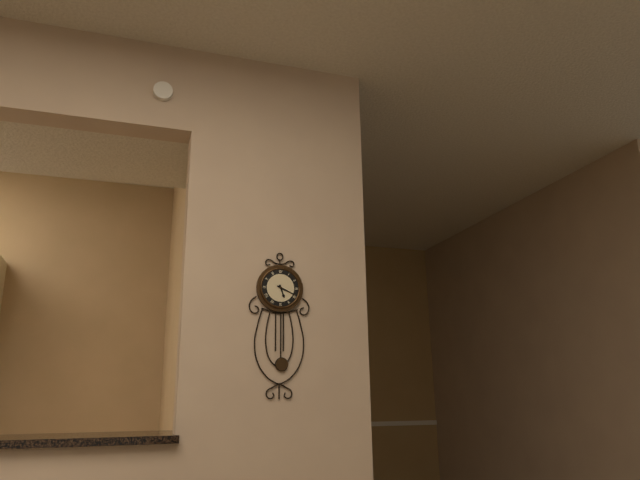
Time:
{"hour": 5, "minute": 19}
